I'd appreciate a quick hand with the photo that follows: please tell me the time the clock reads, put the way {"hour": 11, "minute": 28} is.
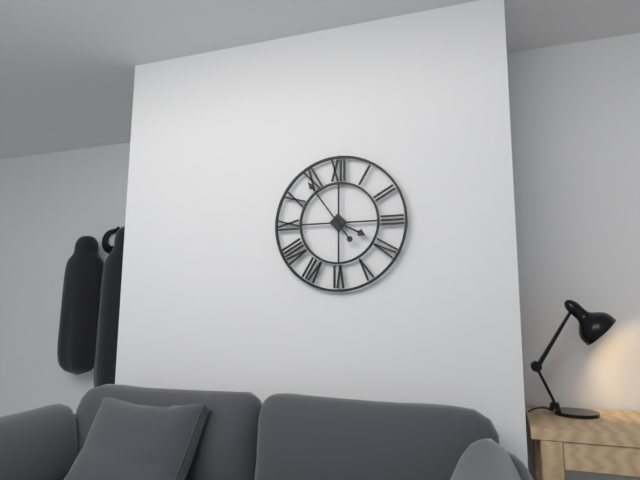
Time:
{"hour": 3, "minute": 54}
